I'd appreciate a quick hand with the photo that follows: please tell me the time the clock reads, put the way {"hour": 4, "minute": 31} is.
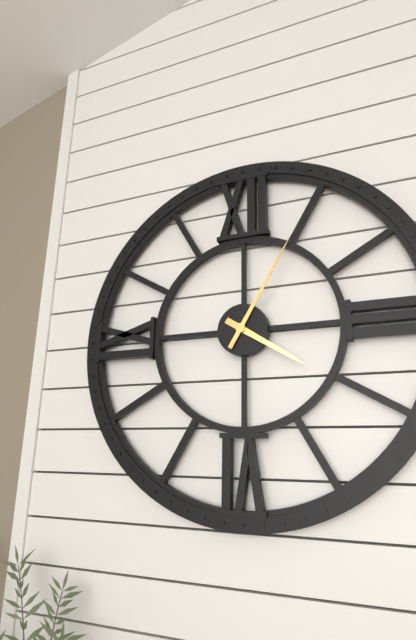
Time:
{"hour": 4, "minute": 5}
